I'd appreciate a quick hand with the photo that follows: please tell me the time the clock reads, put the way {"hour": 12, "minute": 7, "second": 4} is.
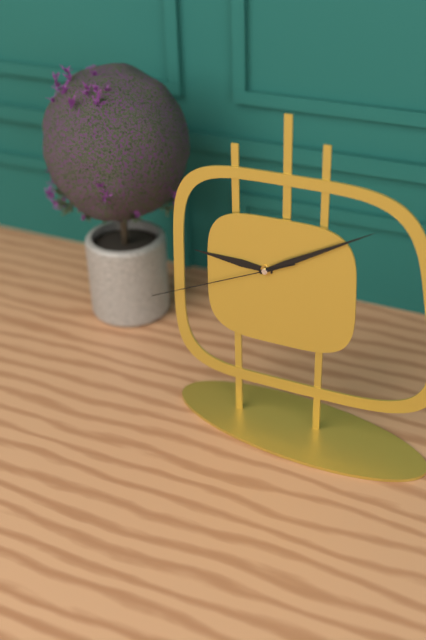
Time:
{"hour": 9, "minute": 10, "second": 41}
